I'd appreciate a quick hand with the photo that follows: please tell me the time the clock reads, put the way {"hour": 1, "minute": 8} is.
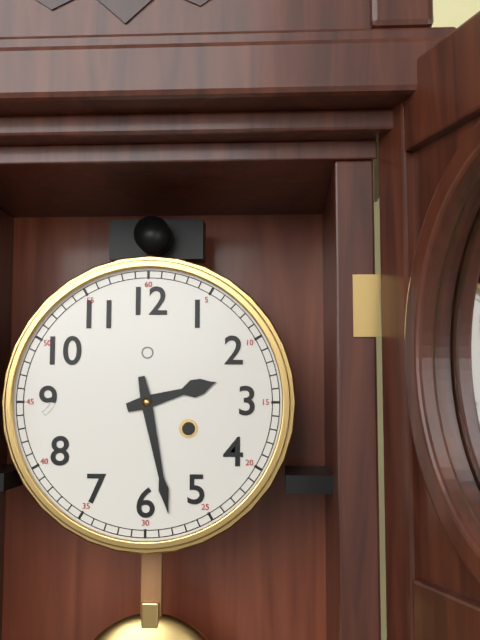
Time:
{"hour": 2, "minute": 28}
